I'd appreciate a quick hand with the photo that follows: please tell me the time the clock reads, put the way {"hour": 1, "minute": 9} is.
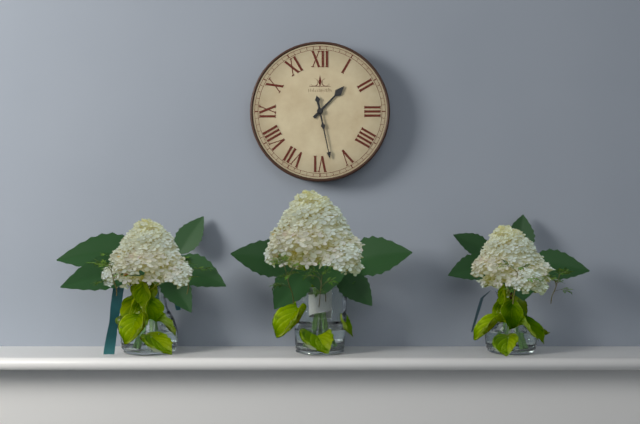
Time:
{"hour": 1, "minute": 28}
